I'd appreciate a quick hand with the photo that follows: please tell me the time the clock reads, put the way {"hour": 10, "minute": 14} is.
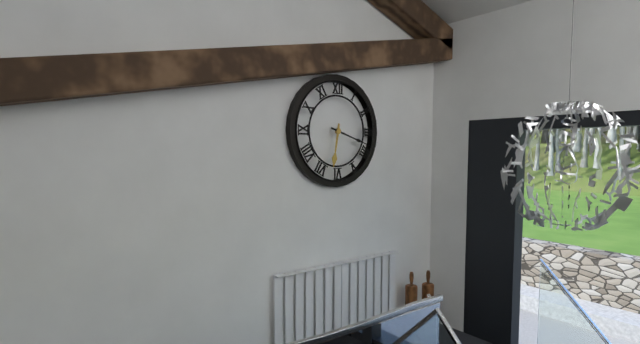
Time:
{"hour": 6, "minute": 18}
